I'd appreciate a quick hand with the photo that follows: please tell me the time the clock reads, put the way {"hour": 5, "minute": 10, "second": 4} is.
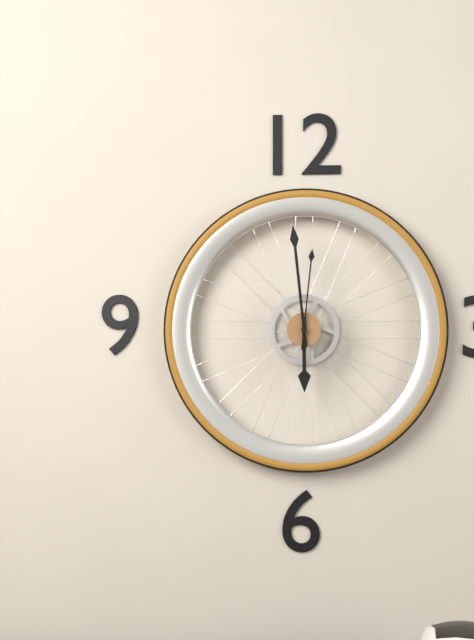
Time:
{"hour": 5, "minute": 59, "second": 1}
